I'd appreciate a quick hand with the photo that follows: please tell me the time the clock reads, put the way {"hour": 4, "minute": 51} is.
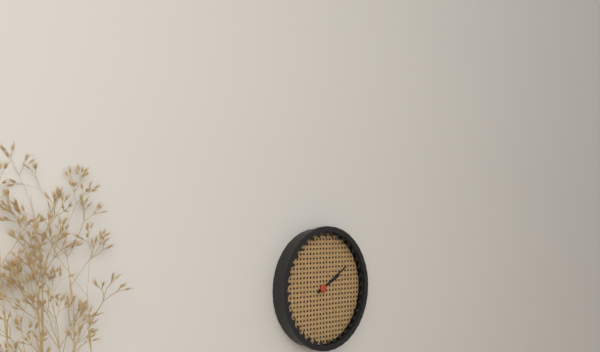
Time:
{"hour": 2, "minute": 10}
